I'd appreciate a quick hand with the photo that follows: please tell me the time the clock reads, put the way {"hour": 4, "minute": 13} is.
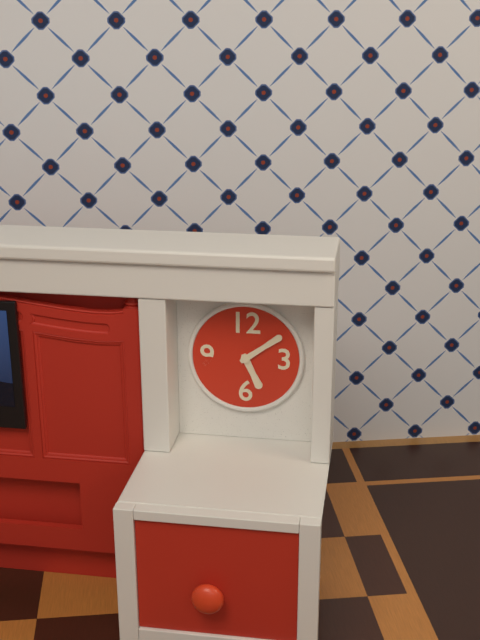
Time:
{"hour": 5, "minute": 9}
